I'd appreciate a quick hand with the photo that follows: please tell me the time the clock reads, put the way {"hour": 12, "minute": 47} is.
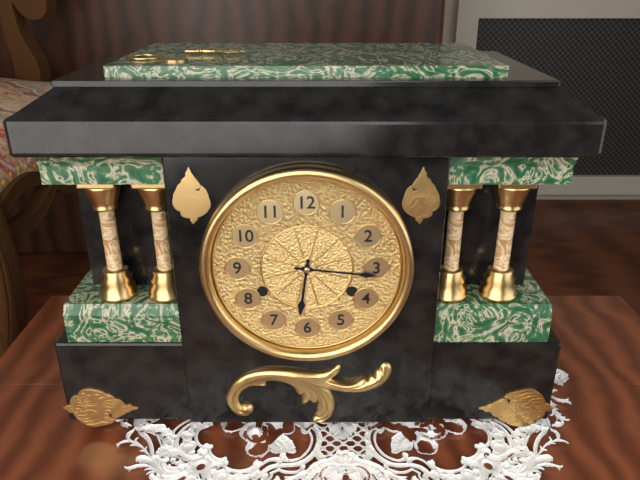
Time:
{"hour": 6, "minute": 16}
